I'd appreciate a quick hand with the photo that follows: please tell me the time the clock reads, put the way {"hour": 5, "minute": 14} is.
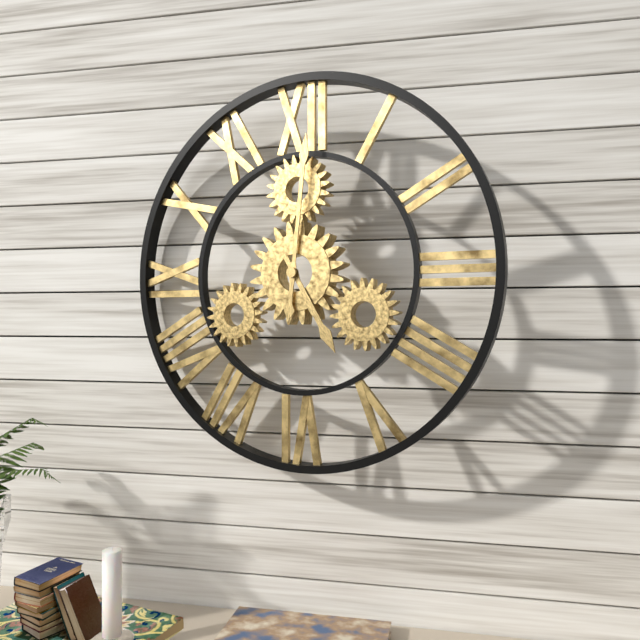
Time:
{"hour": 5, "minute": 1}
